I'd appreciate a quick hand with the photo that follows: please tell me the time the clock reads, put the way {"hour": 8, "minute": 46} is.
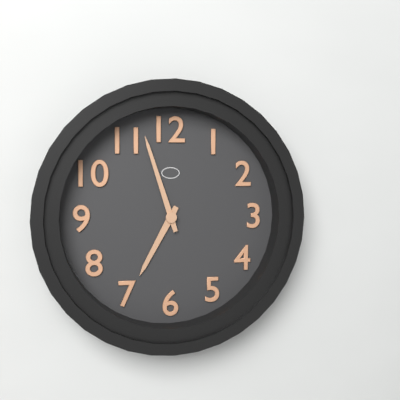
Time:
{"hour": 6, "minute": 57}
